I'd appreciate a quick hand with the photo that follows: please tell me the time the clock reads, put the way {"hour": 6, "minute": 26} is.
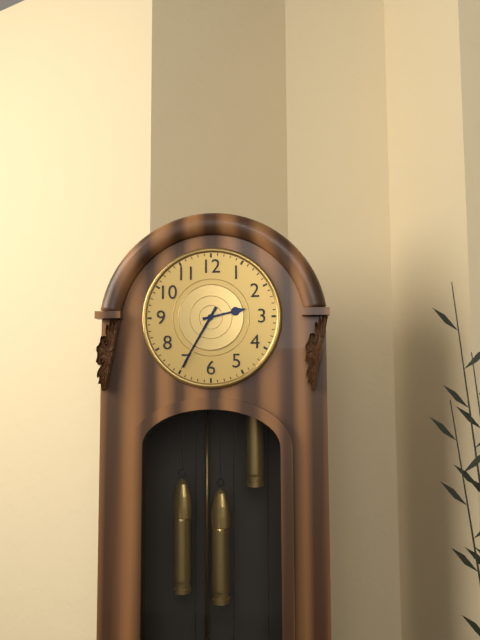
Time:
{"hour": 2, "minute": 35}
